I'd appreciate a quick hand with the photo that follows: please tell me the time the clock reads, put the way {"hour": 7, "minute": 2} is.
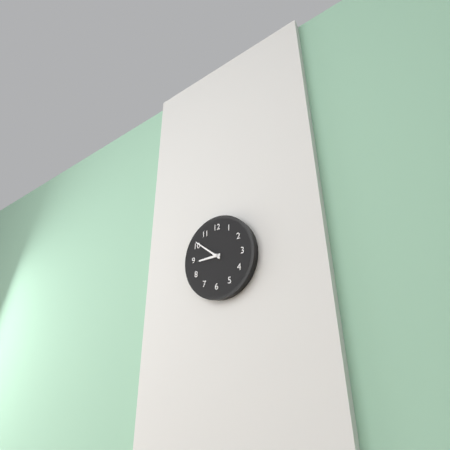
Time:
{"hour": 8, "minute": 51}
